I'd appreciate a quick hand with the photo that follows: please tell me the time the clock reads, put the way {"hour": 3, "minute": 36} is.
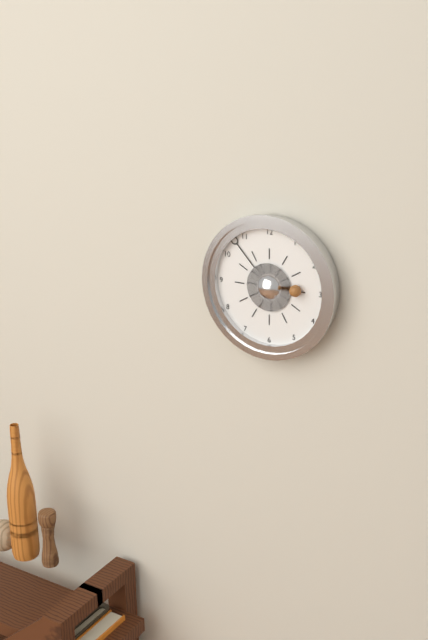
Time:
{"hour": 2, "minute": 53}
